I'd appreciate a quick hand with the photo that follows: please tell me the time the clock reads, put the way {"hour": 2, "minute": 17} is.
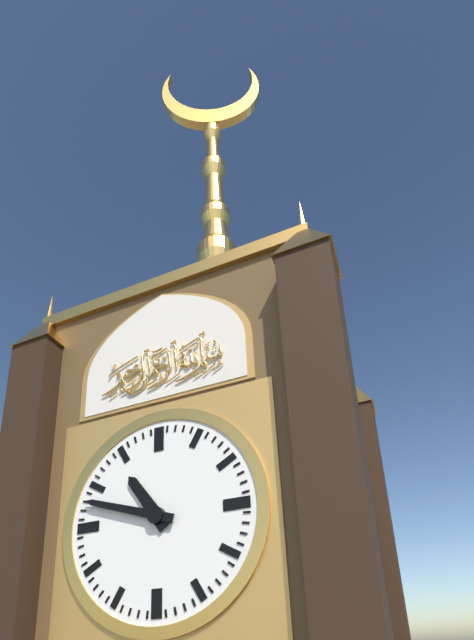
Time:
{"hour": 10, "minute": 48}
